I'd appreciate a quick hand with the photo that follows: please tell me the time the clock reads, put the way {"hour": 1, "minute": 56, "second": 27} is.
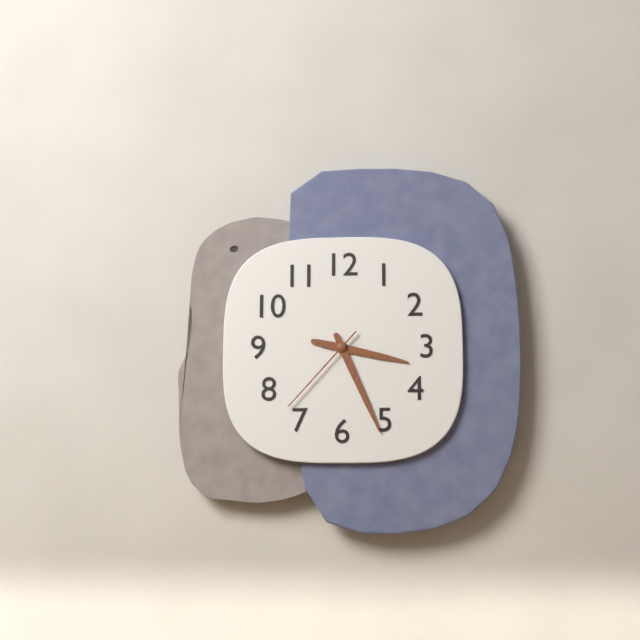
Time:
{"hour": 3, "minute": 26, "second": 37}
